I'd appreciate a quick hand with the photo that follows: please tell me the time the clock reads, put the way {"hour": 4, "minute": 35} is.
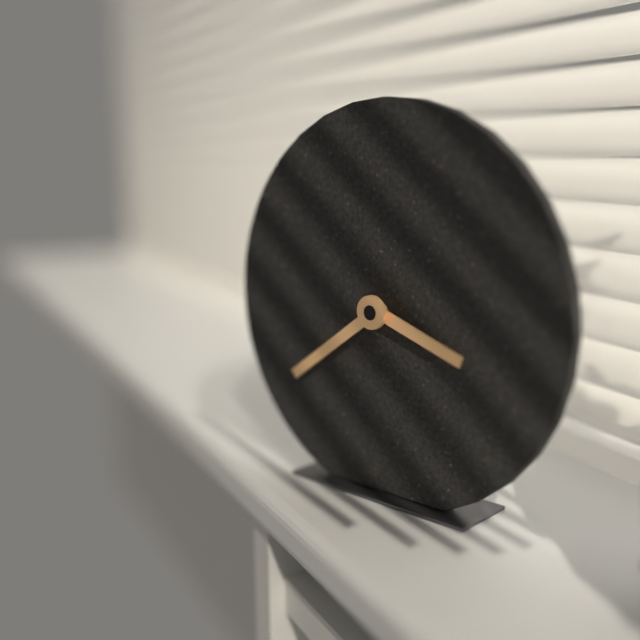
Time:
{"hour": 3, "minute": 39}
